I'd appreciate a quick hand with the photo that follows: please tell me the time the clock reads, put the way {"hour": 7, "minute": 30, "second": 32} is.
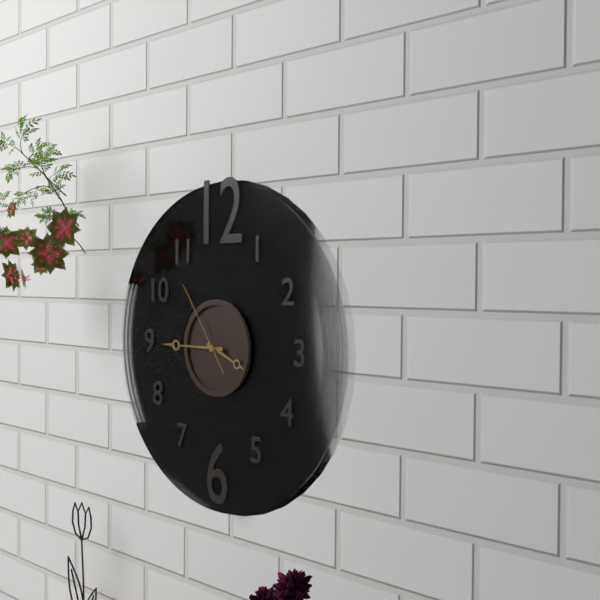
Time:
{"hour": 3, "minute": 45, "second": 54}
